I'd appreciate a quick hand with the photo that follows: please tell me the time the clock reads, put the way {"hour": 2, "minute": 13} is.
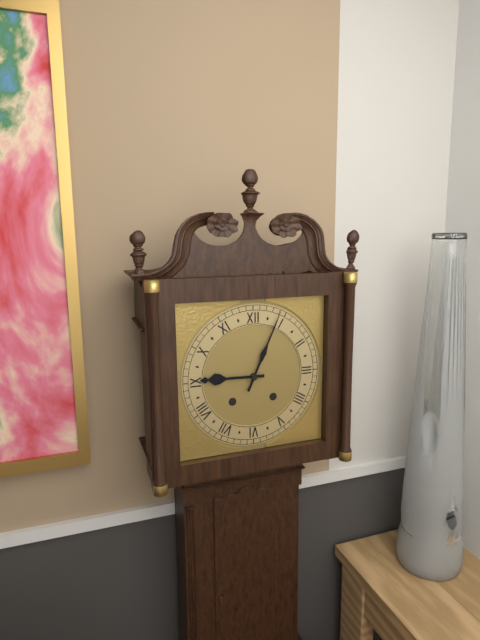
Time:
{"hour": 9, "minute": 4}
